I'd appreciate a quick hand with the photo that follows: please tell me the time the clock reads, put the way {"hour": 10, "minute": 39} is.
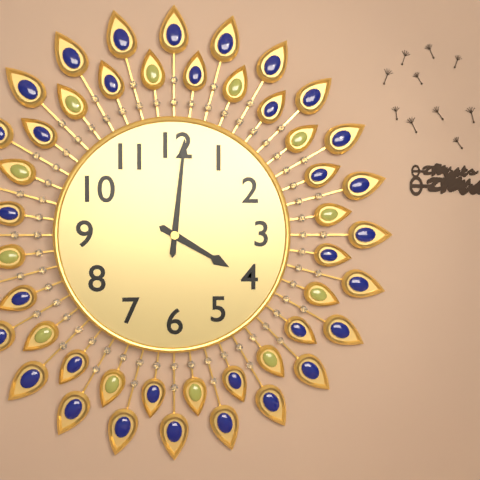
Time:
{"hour": 4, "minute": 1}
